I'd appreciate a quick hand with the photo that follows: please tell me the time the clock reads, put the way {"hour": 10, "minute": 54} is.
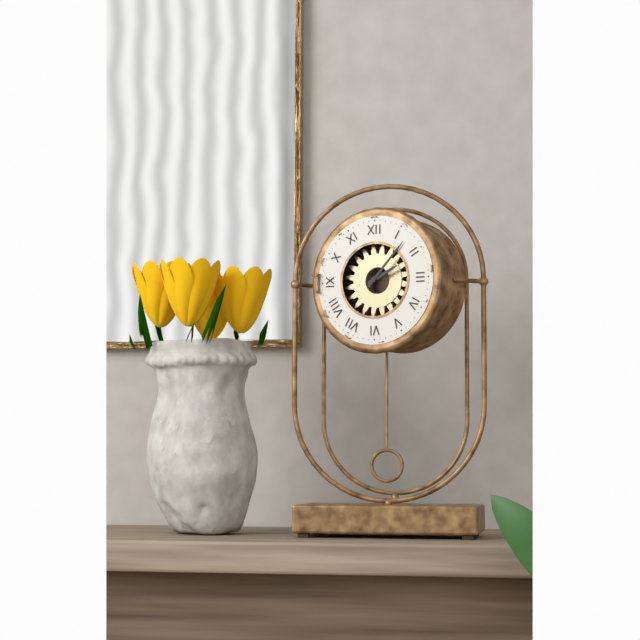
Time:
{"hour": 2, "minute": 7}
